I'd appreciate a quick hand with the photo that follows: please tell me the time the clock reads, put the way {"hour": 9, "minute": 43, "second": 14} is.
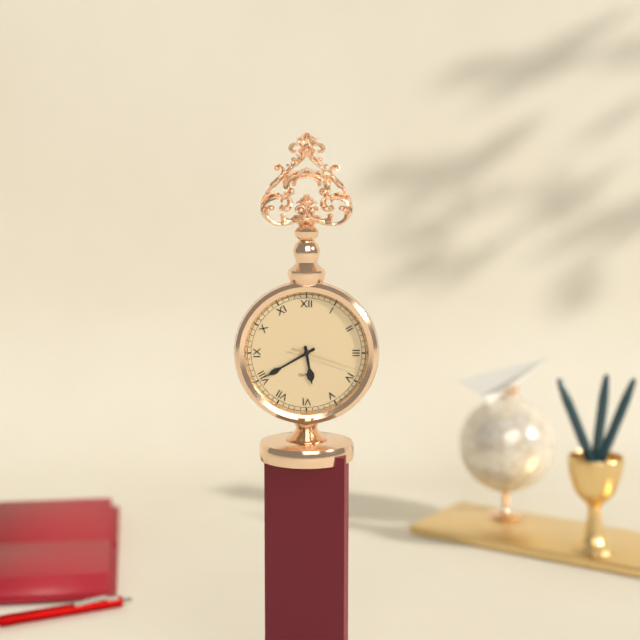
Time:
{"hour": 5, "minute": 40, "second": 18}
